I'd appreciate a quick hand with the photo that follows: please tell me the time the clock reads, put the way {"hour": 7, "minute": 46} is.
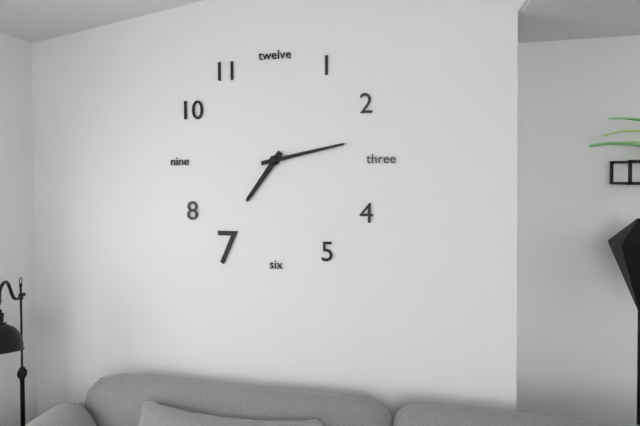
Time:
{"hour": 7, "minute": 13}
